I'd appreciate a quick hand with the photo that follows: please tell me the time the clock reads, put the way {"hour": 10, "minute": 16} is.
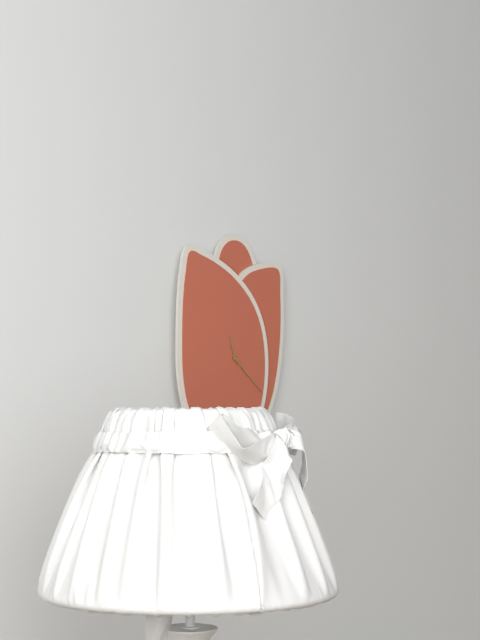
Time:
{"hour": 11, "minute": 22}
